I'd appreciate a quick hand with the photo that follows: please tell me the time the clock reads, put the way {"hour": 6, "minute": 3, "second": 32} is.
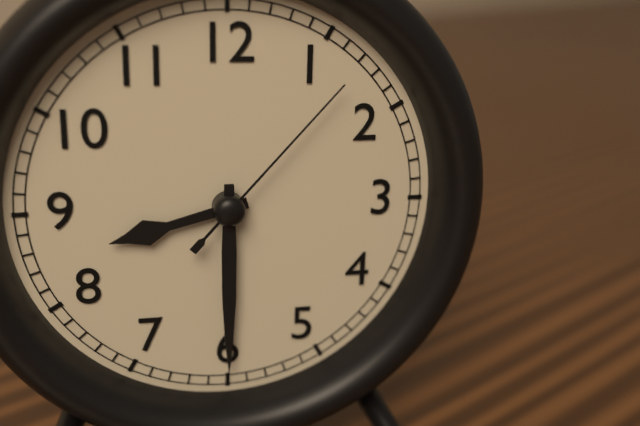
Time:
{"hour": 8, "minute": 30, "second": 7}
